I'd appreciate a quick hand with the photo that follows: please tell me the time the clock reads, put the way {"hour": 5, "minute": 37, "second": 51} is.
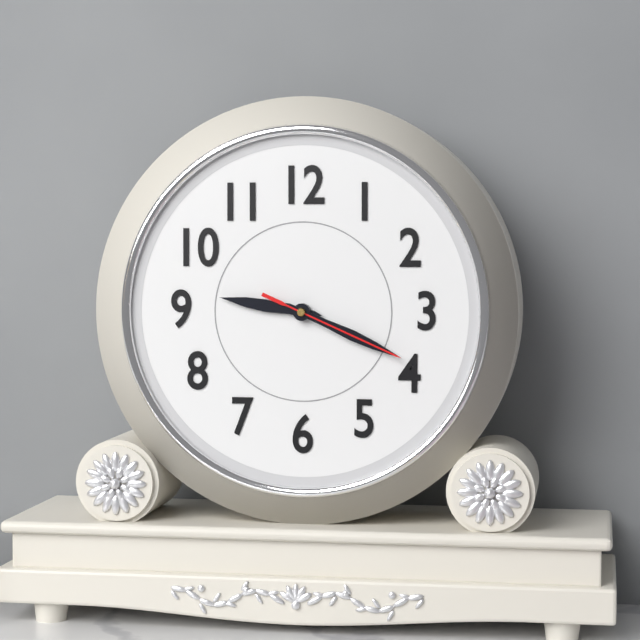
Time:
{"hour": 9, "minute": 19, "second": 19}
